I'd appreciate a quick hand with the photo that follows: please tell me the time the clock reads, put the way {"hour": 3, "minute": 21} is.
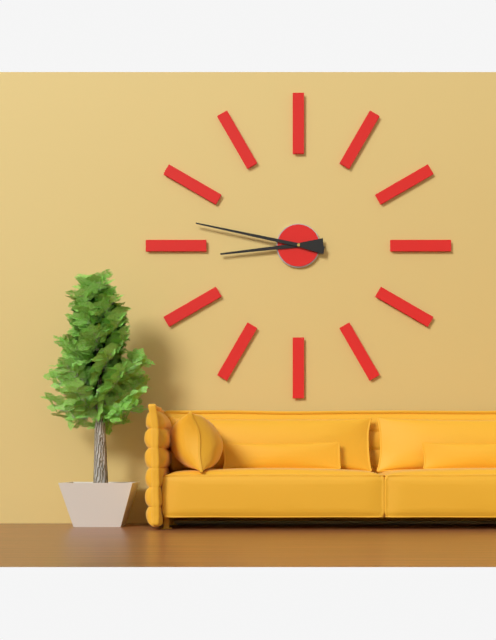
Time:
{"hour": 8, "minute": 47}
